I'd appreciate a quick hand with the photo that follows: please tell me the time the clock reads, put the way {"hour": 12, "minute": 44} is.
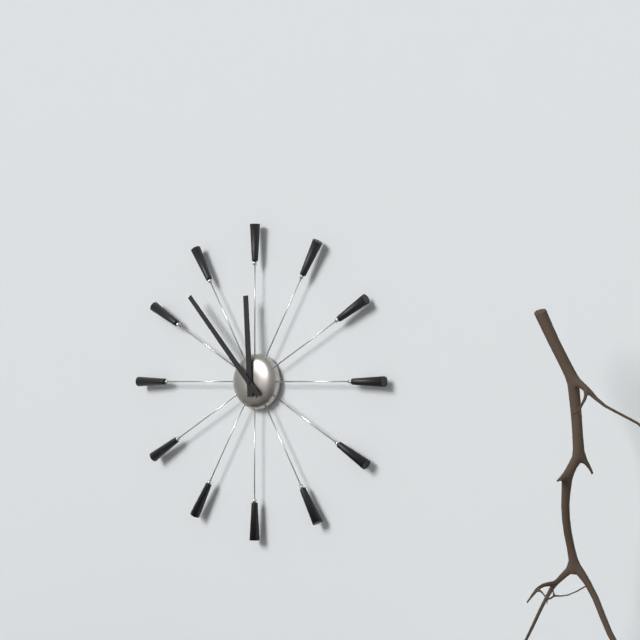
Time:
{"hour": 11, "minute": 53}
